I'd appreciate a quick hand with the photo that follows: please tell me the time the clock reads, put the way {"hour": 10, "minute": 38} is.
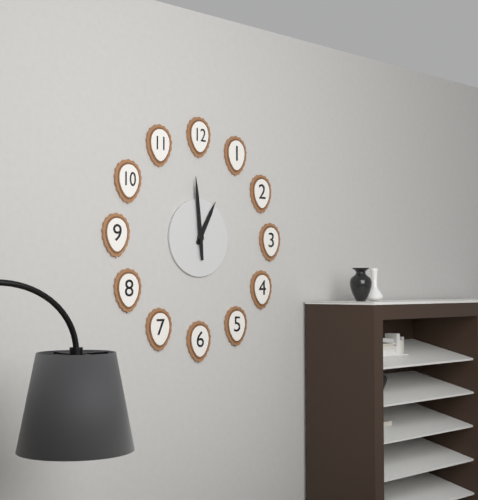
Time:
{"hour": 12, "minute": 59}
